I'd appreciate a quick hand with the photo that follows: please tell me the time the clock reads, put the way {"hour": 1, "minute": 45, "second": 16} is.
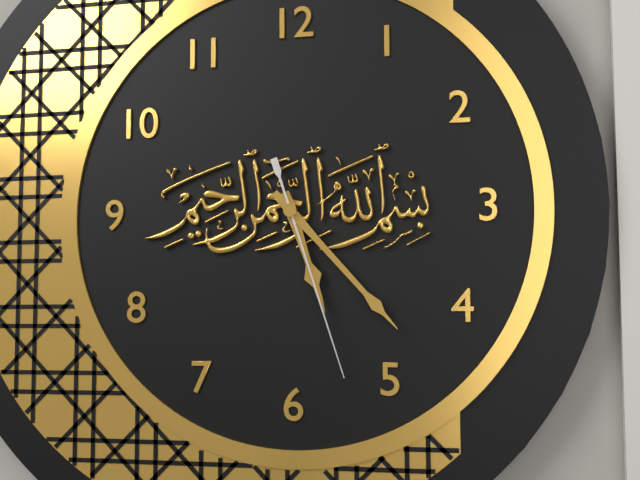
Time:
{"hour": 5, "minute": 23, "second": 27}
